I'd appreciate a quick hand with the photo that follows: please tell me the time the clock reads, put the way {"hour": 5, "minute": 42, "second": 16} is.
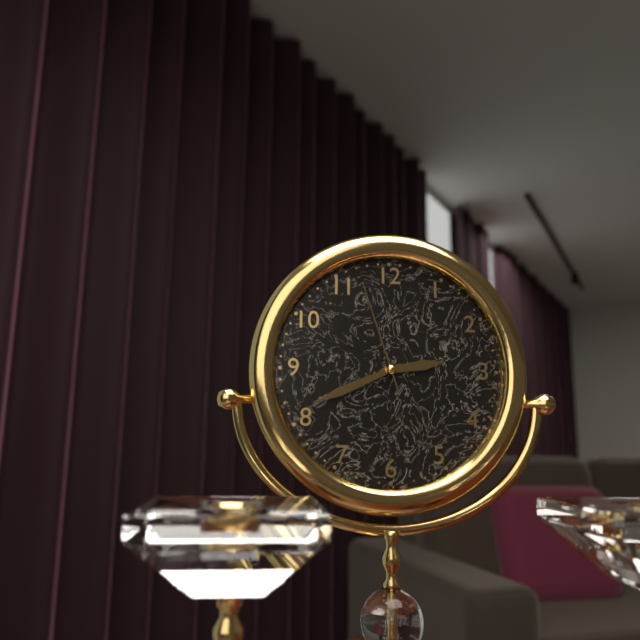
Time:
{"hour": 2, "minute": 41, "second": 57}
